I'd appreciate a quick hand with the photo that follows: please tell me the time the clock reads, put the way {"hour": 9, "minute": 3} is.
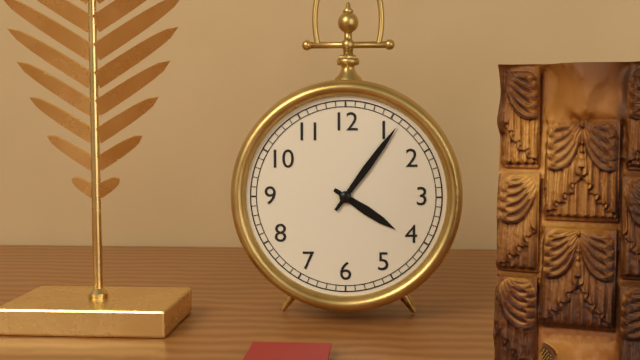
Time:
{"hour": 4, "minute": 6}
